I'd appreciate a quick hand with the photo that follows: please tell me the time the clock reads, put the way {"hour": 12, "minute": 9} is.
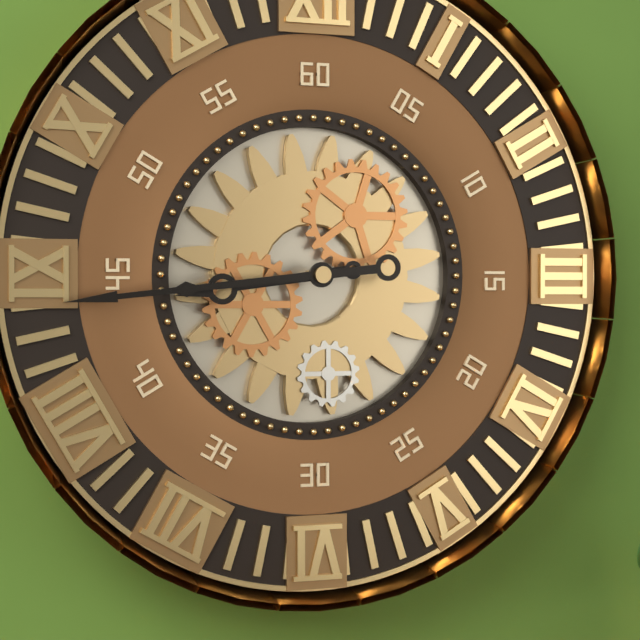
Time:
{"hour": 8, "minute": 44}
